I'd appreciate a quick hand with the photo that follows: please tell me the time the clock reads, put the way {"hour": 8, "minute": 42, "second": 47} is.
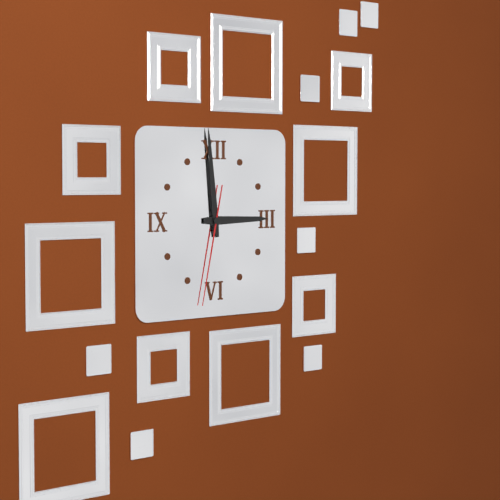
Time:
{"hour": 2, "minute": 59, "second": 32}
